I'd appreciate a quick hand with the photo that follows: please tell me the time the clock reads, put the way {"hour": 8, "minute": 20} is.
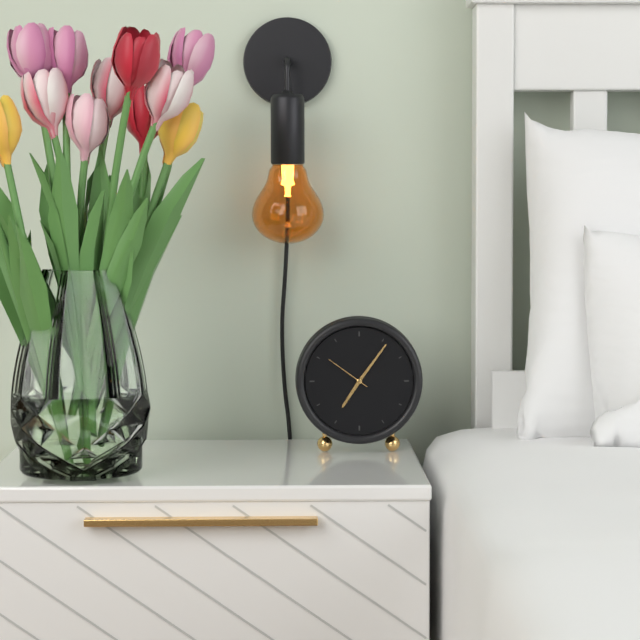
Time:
{"hour": 7, "minute": 6}
